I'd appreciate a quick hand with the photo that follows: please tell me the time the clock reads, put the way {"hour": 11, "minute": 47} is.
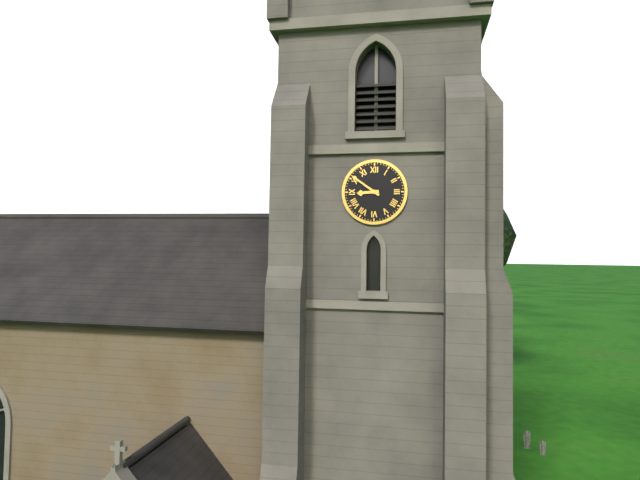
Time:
{"hour": 8, "minute": 51}
